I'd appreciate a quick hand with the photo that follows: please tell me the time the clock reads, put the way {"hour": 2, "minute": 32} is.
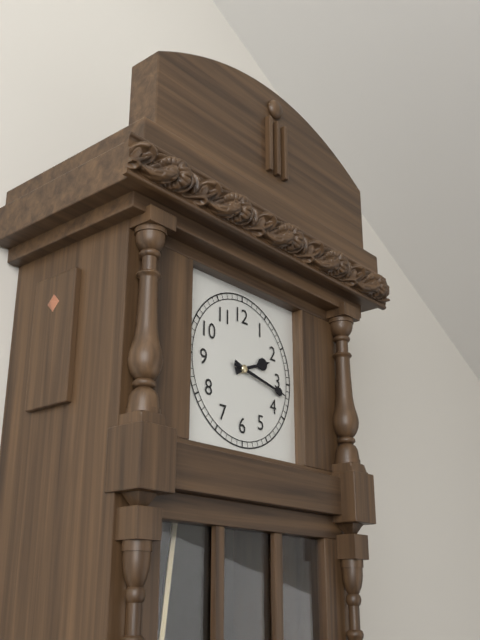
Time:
{"hour": 2, "minute": 17}
